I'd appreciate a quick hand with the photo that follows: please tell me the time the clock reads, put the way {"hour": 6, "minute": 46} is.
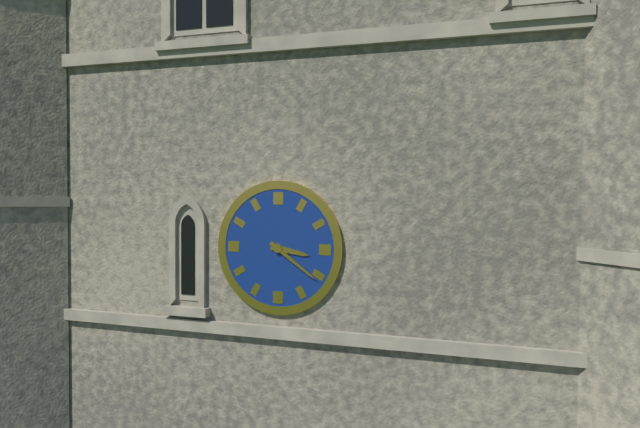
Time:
{"hour": 3, "minute": 21}
